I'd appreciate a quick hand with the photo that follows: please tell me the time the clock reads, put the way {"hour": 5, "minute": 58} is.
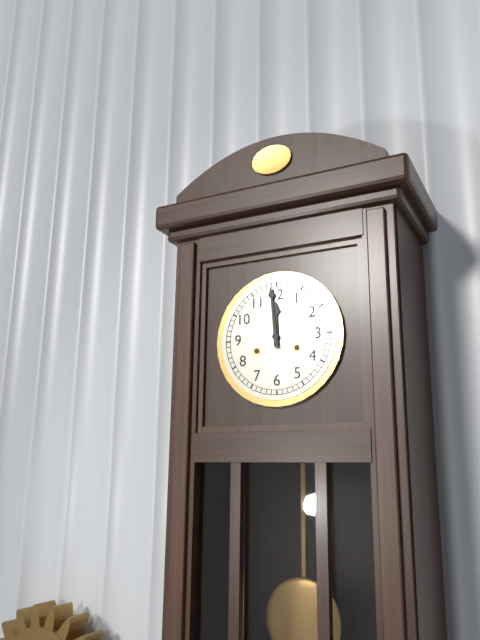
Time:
{"hour": 11, "minute": 59}
